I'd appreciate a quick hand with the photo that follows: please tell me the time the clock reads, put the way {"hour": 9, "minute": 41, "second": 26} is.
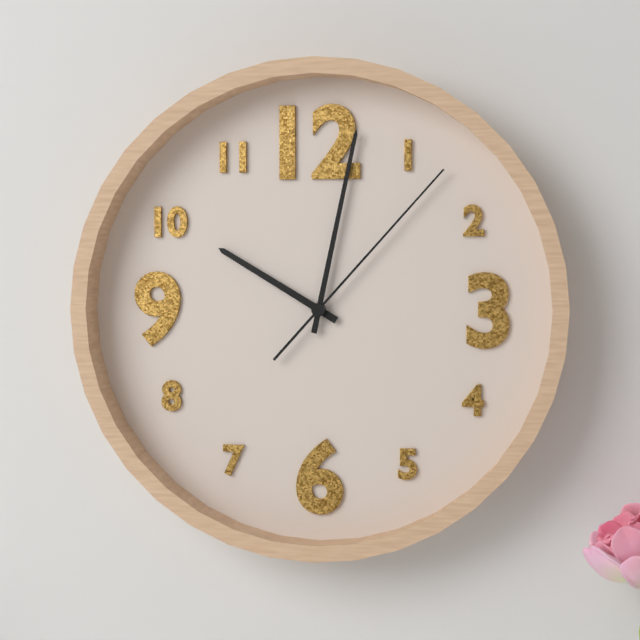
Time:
{"hour": 10, "minute": 2, "second": 7}
